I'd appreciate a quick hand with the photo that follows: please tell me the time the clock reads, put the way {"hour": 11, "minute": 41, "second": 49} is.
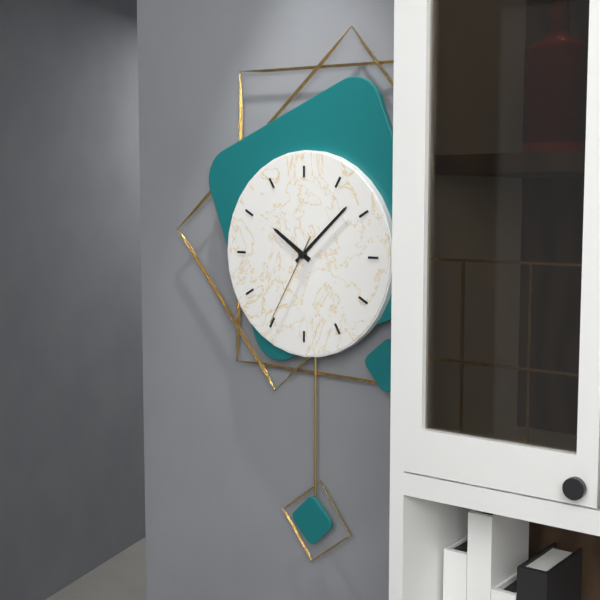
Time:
{"hour": 10, "minute": 8, "second": 35}
